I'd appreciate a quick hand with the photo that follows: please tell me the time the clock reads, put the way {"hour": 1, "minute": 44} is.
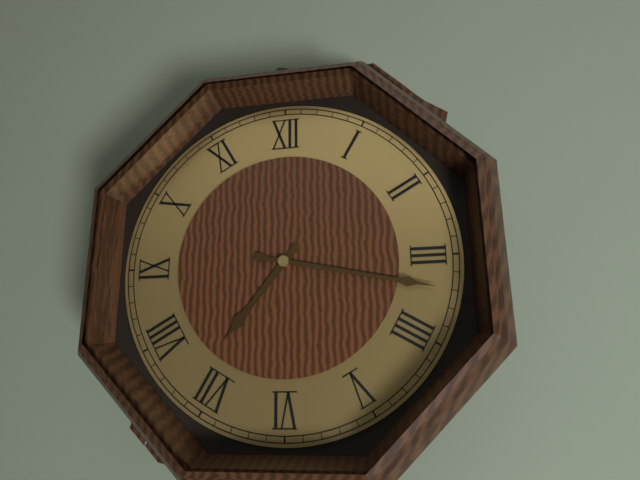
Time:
{"hour": 7, "minute": 17}
